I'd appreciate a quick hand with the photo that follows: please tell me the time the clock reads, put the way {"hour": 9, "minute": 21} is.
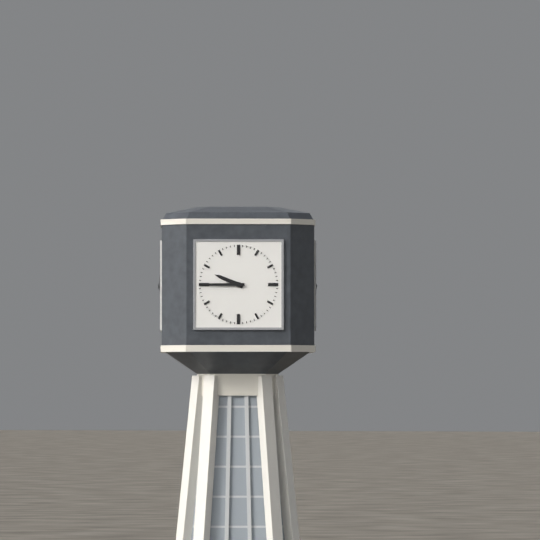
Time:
{"hour": 9, "minute": 45}
